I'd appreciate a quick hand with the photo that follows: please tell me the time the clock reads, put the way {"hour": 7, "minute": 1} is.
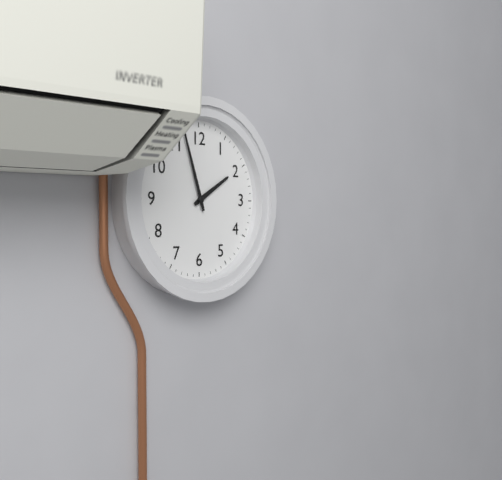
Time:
{"hour": 1, "minute": 57}
